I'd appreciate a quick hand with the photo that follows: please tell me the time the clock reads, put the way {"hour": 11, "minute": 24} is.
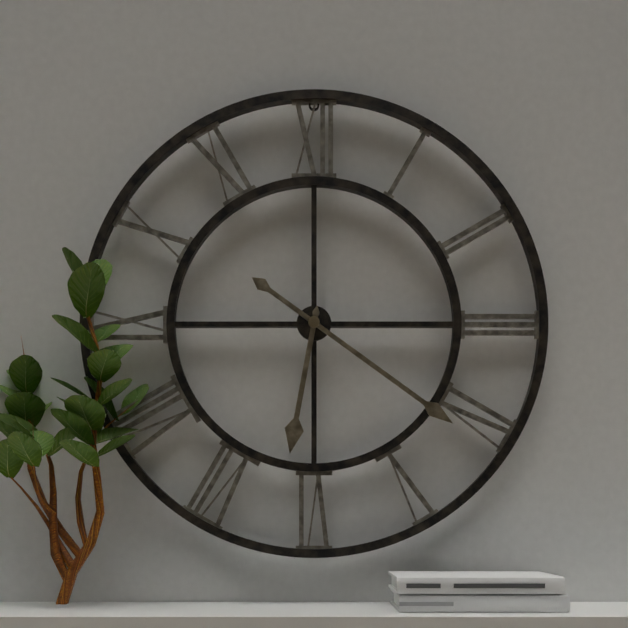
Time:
{"hour": 6, "minute": 21}
